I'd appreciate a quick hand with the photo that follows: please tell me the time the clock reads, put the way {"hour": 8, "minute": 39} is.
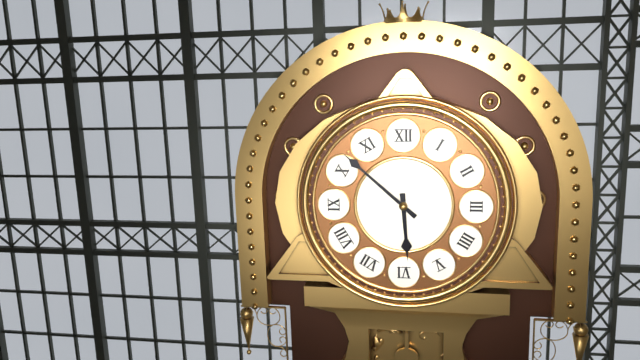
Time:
{"hour": 5, "minute": 52}
